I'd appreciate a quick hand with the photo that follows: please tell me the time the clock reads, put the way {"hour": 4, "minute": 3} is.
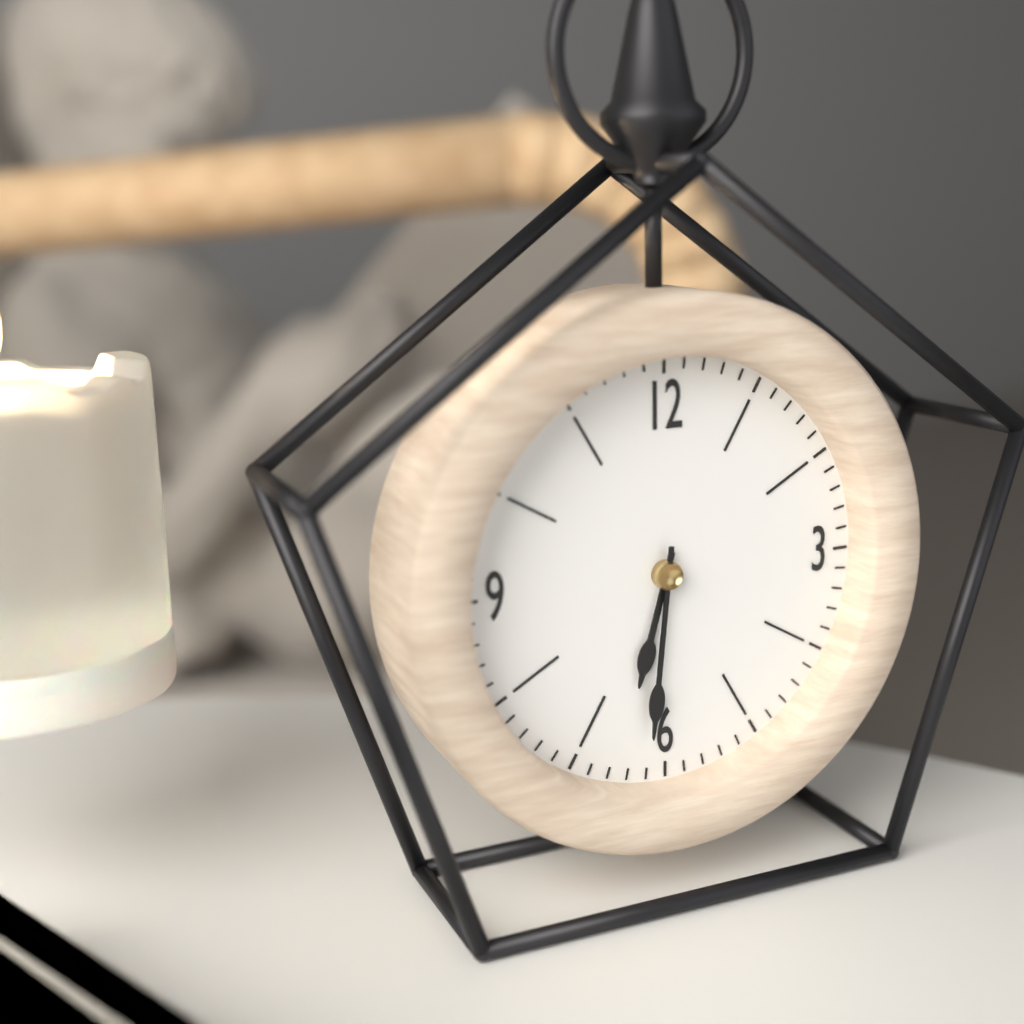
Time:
{"hour": 6, "minute": 31}
